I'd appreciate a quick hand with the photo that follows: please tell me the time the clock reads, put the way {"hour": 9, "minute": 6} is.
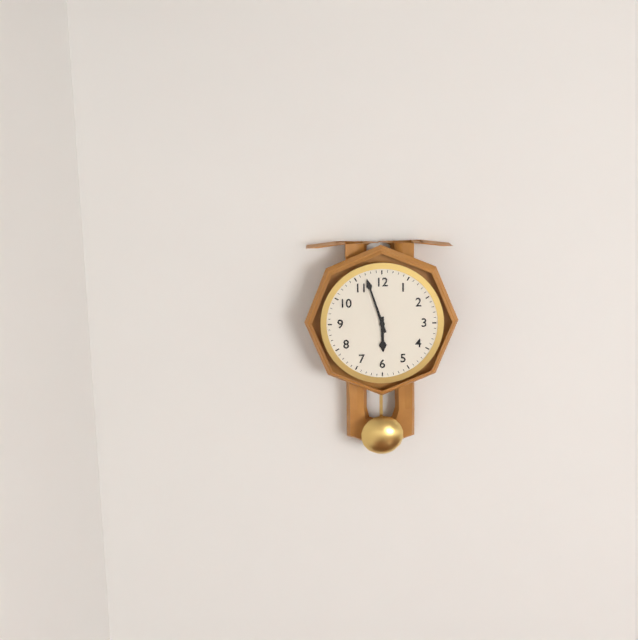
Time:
{"hour": 5, "minute": 57}
